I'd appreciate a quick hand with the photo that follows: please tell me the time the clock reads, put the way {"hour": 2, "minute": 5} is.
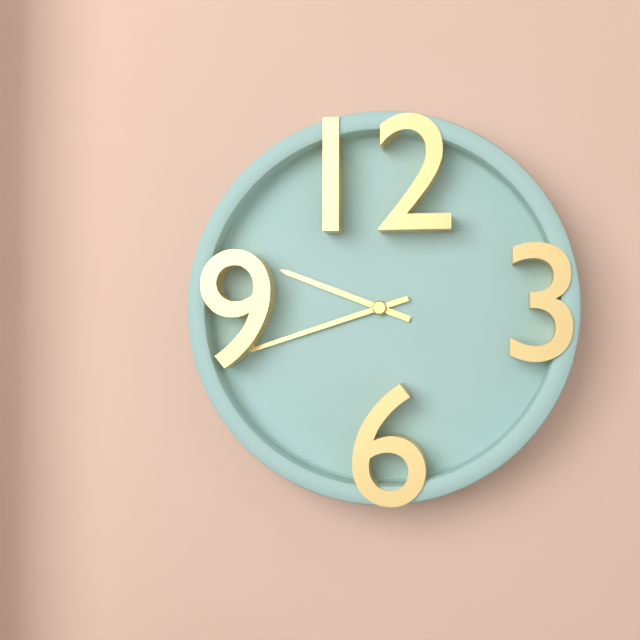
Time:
{"hour": 9, "minute": 42}
